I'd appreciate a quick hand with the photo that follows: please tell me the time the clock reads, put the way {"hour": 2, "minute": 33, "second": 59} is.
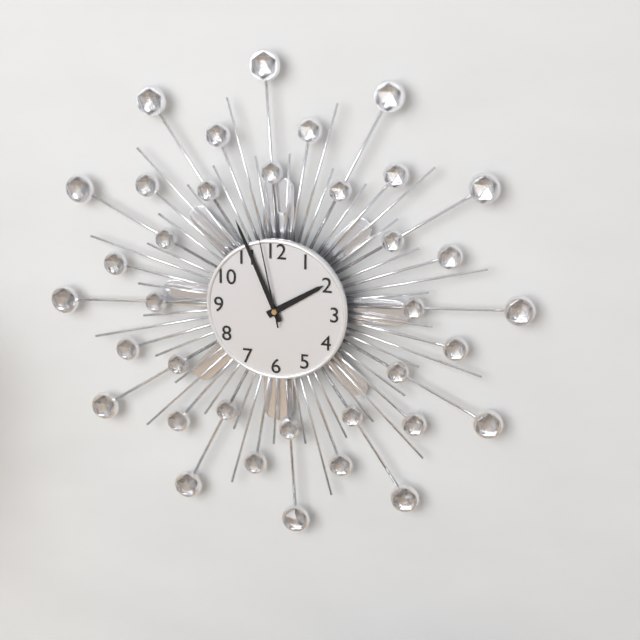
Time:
{"hour": 1, "minute": 56, "second": 58}
